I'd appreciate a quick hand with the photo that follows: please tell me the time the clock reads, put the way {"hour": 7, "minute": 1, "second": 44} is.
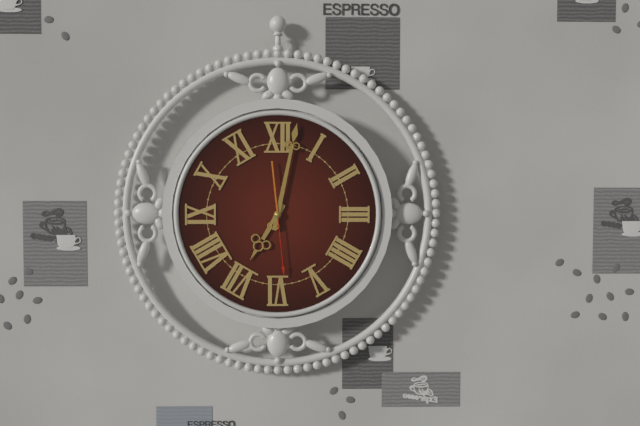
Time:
{"hour": 7, "minute": 2, "second": 29}
